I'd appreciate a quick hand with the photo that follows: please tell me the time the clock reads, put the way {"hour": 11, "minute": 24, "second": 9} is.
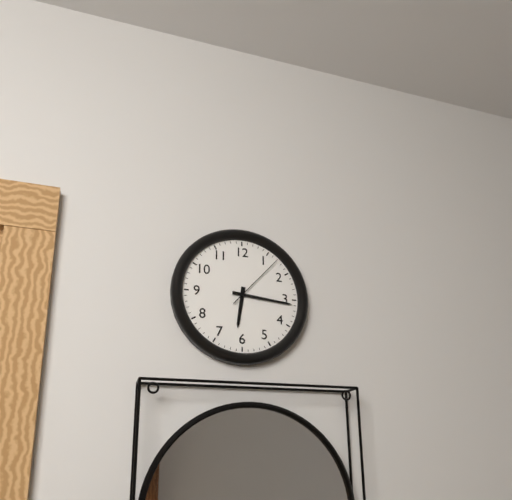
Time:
{"hour": 6, "minute": 16, "second": 7}
